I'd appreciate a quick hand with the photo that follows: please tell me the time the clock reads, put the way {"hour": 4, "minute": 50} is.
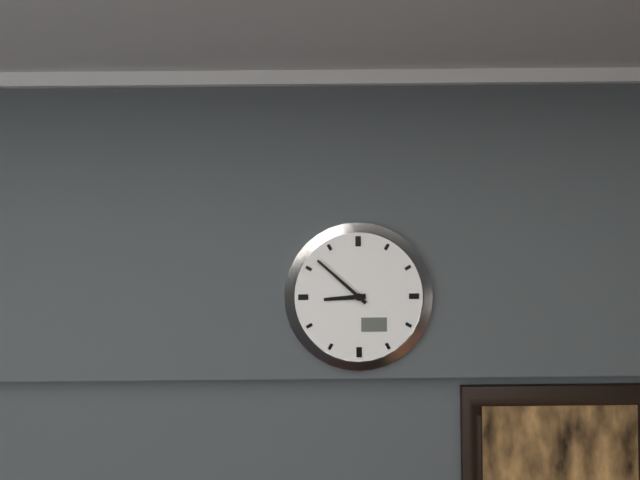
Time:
{"hour": 8, "minute": 52}
